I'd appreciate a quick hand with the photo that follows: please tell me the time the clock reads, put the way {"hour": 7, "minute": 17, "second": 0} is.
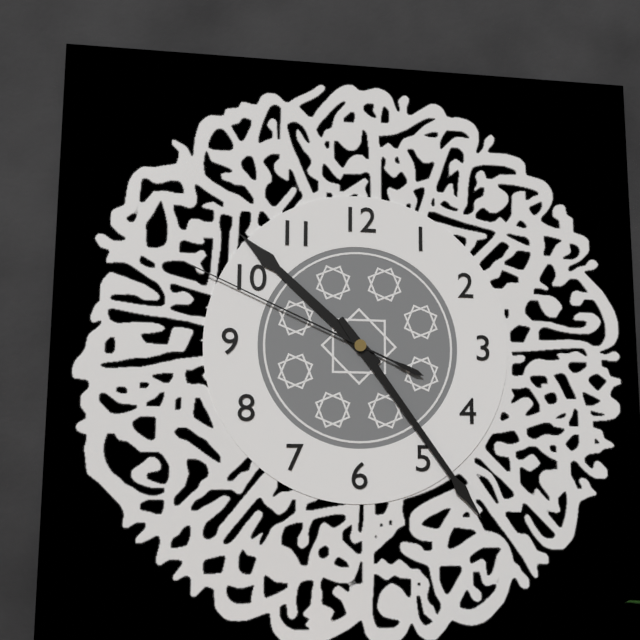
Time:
{"hour": 10, "minute": 24, "second": 49}
